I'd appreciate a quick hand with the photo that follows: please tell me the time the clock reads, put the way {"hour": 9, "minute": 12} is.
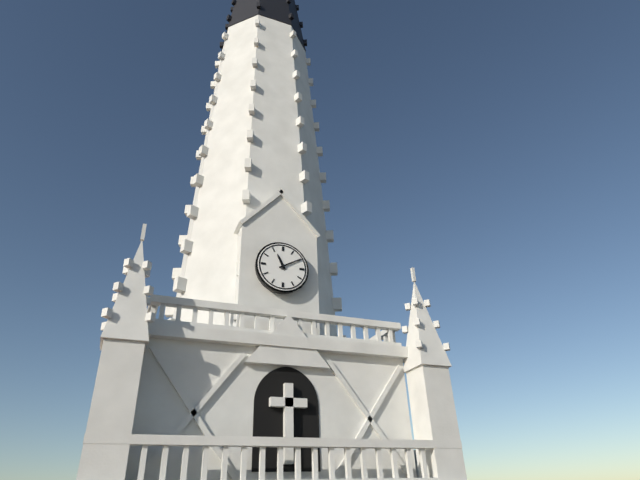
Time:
{"hour": 11, "minute": 10}
